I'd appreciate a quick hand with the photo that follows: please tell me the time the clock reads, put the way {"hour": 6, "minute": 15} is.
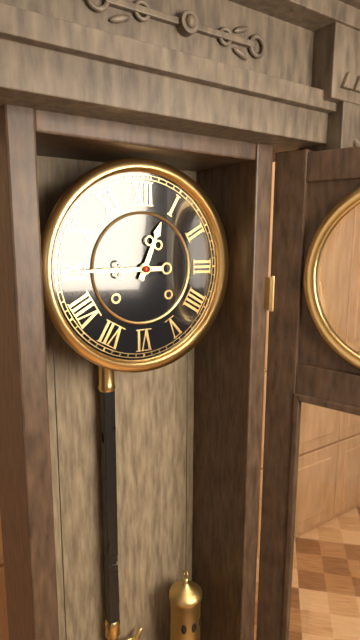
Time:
{"hour": 12, "minute": 45}
